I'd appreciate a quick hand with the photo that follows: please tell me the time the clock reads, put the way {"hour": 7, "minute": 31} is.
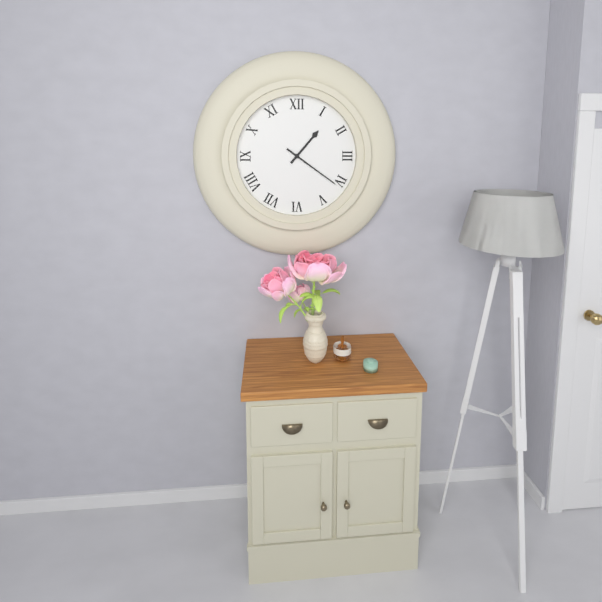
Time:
{"hour": 1, "minute": 21}
